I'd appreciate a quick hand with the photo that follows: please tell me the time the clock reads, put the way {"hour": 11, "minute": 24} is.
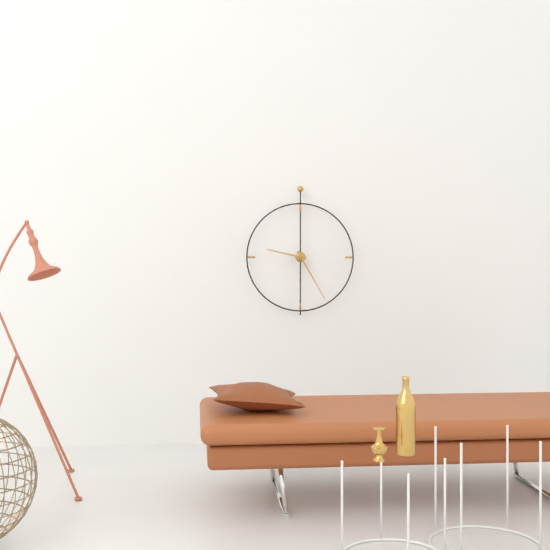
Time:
{"hour": 9, "minute": 25}
